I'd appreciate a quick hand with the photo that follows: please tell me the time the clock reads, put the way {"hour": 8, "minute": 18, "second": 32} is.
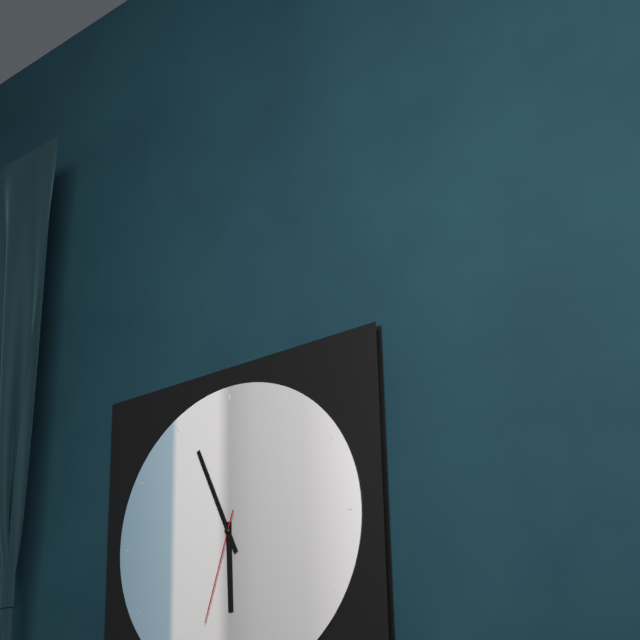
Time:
{"hour": 5, "minute": 56, "second": 33}
